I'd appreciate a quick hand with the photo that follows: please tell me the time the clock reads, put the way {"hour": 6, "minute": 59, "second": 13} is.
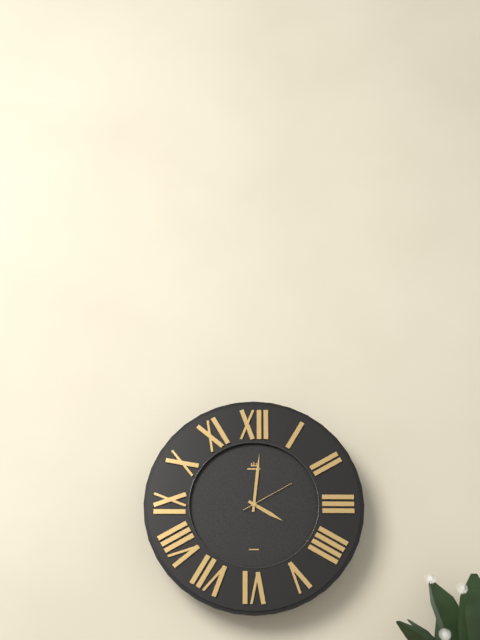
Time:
{"hour": 4, "minute": 1, "second": 10}
